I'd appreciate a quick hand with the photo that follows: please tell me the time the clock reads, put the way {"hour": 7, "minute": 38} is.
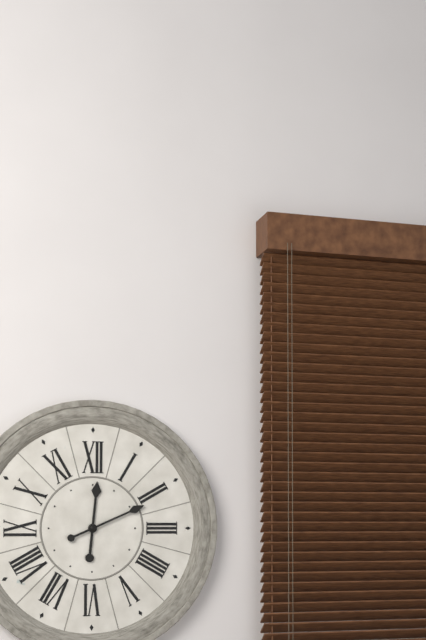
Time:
{"hour": 12, "minute": 11}
